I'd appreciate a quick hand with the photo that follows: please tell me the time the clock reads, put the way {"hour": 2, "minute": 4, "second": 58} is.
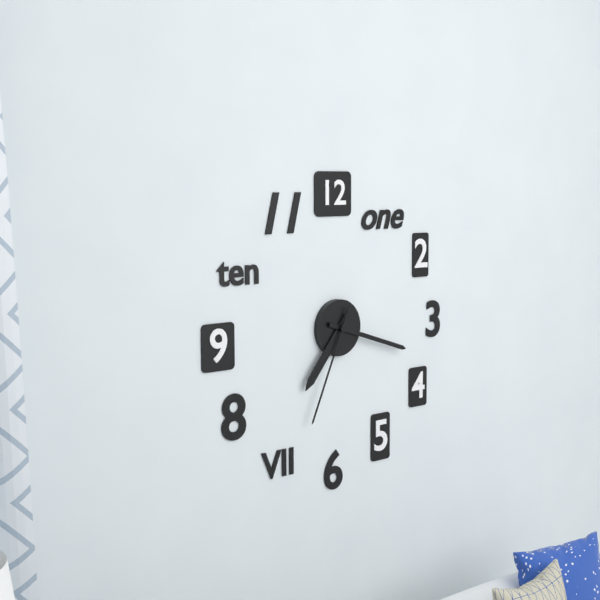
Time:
{"hour": 7, "minute": 18, "second": 34}
